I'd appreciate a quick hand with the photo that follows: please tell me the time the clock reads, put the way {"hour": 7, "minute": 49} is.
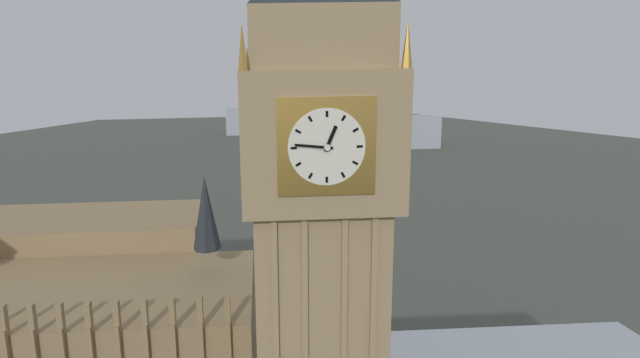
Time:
{"hour": 12, "minute": 46}
